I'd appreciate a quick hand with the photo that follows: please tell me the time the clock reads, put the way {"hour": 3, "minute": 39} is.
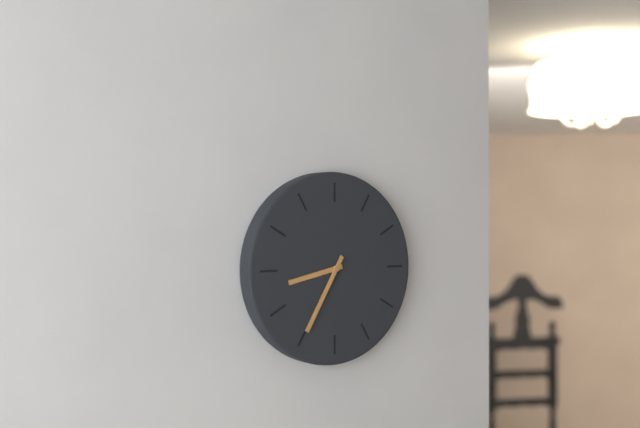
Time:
{"hour": 8, "minute": 35}
